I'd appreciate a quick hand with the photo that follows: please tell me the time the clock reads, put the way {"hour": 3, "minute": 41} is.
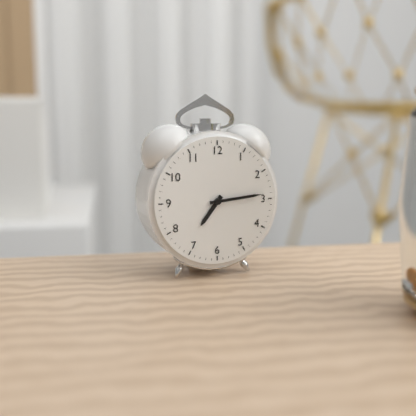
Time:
{"hour": 7, "minute": 14}
